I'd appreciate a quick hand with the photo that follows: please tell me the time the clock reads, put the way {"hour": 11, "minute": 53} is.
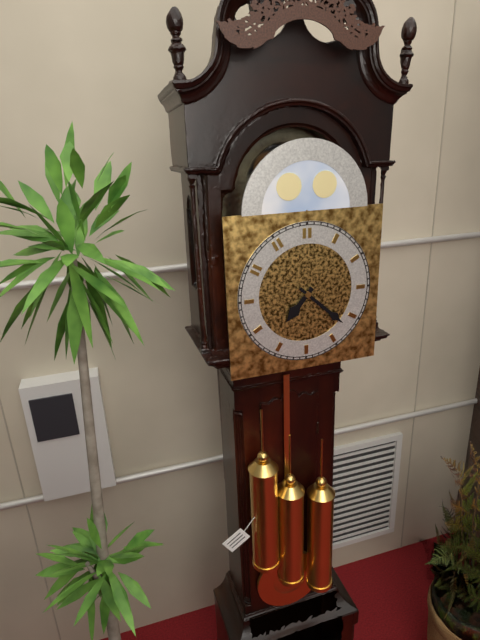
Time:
{"hour": 7, "minute": 22}
